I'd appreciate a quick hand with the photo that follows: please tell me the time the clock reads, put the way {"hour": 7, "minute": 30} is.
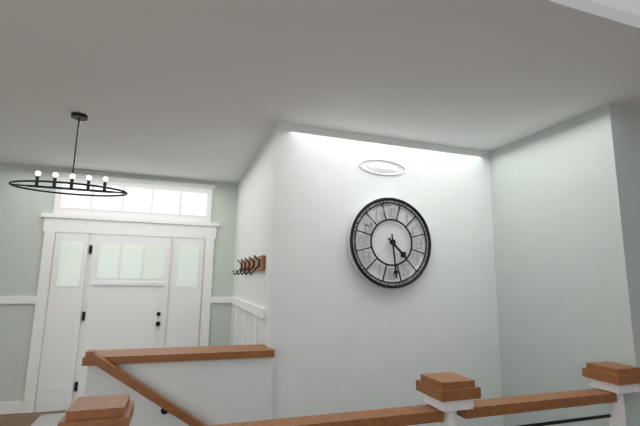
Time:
{"hour": 4, "minute": 29}
